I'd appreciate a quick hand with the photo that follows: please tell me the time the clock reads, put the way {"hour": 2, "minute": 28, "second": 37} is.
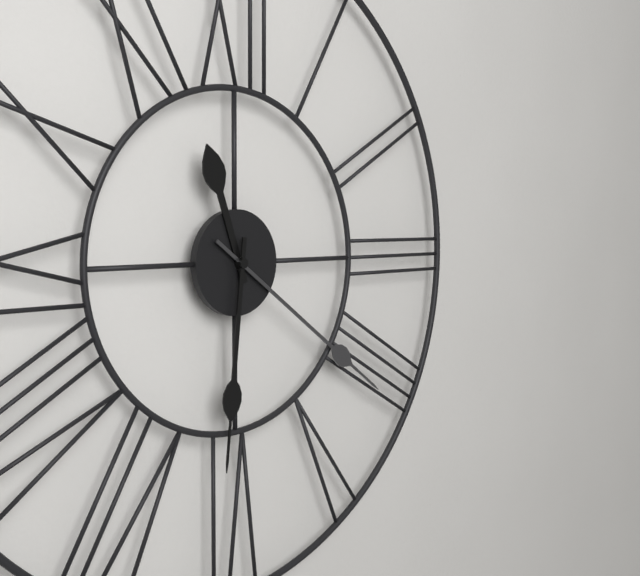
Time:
{"hour": 11, "minute": 21, "second": 31}
